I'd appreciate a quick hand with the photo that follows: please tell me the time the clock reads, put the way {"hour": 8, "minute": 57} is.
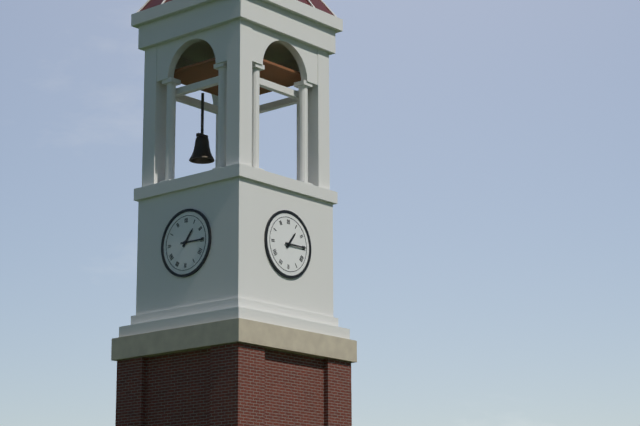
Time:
{"hour": 1, "minute": 15}
